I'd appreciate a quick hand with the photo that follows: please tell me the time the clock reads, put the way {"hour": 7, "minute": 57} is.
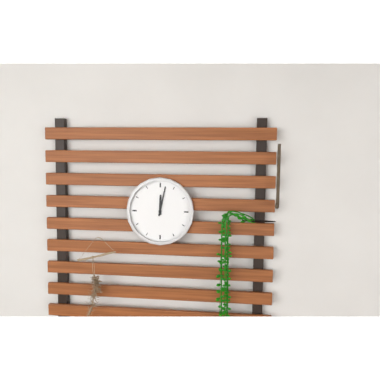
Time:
{"hour": 12, "minute": 2}
